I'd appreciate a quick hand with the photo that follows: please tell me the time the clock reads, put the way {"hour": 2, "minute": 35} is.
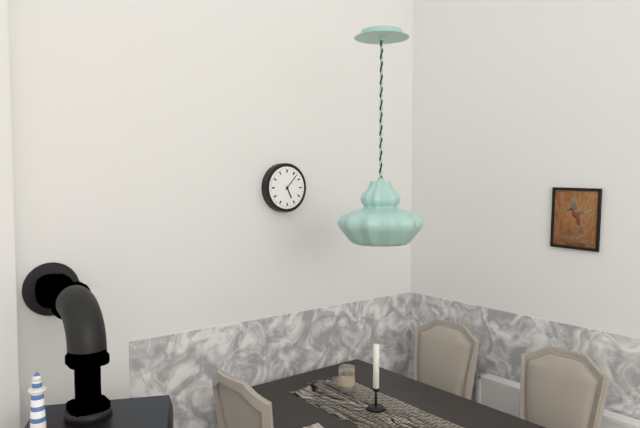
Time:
{"hour": 5, "minute": 7}
